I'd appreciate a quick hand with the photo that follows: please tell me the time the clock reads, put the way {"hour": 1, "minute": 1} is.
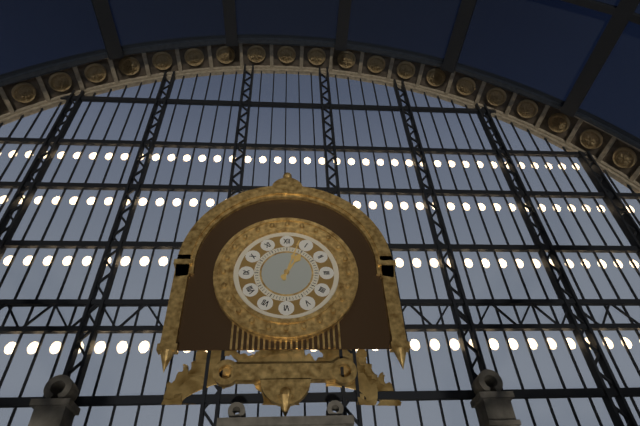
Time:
{"hour": 1, "minute": 3}
